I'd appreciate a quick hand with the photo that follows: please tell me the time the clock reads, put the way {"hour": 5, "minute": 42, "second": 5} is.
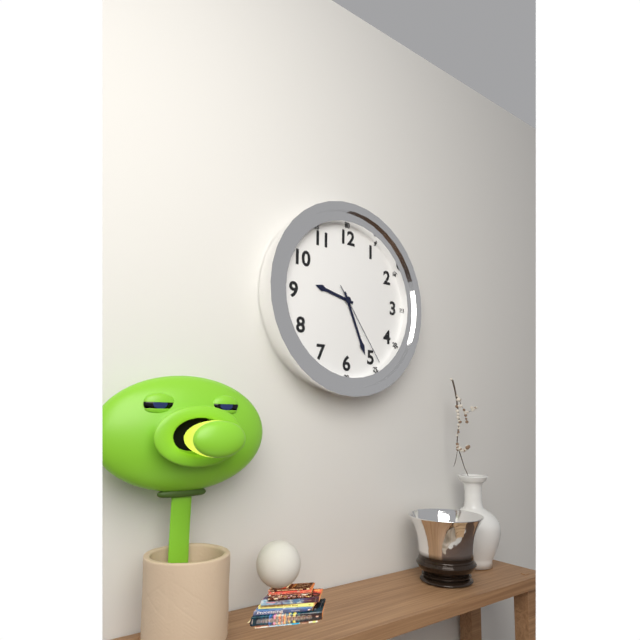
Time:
{"hour": 9, "minute": 26, "second": 24}
